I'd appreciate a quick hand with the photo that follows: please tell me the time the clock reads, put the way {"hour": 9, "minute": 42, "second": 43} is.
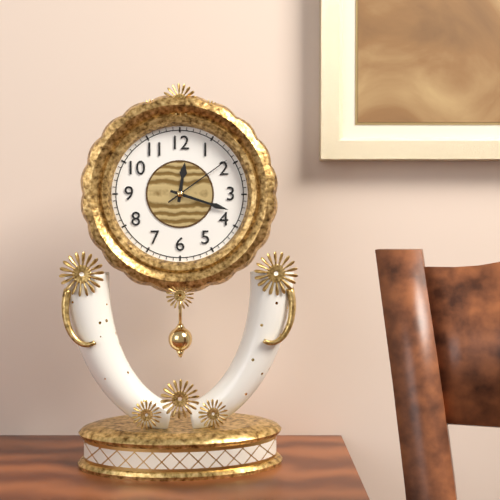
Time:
{"hour": 12, "minute": 18, "second": 9}
